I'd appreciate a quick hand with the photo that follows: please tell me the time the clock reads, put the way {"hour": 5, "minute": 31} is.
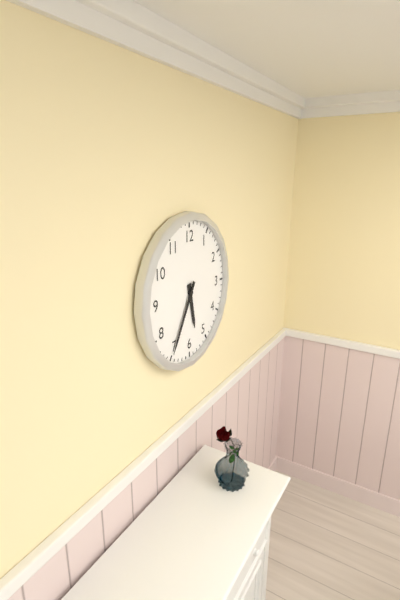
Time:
{"hour": 5, "minute": 35}
